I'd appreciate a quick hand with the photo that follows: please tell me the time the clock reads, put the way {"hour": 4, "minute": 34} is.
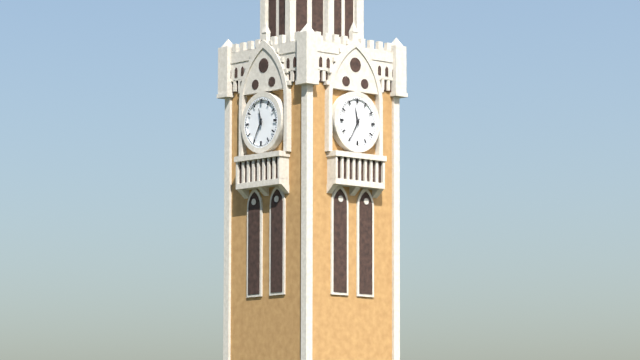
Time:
{"hour": 11, "minute": 35}
